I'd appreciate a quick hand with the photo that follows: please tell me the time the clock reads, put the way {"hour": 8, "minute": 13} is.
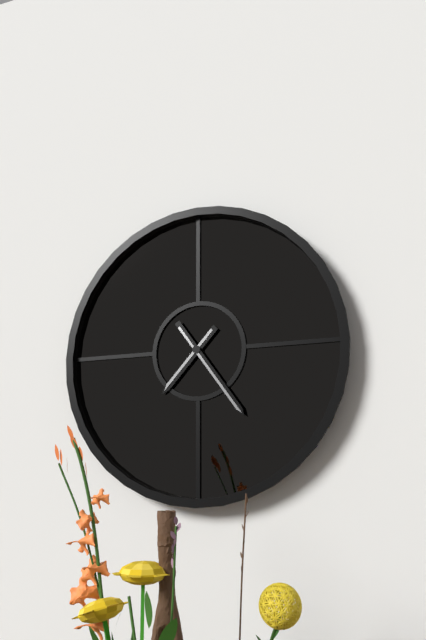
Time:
{"hour": 7, "minute": 24}
